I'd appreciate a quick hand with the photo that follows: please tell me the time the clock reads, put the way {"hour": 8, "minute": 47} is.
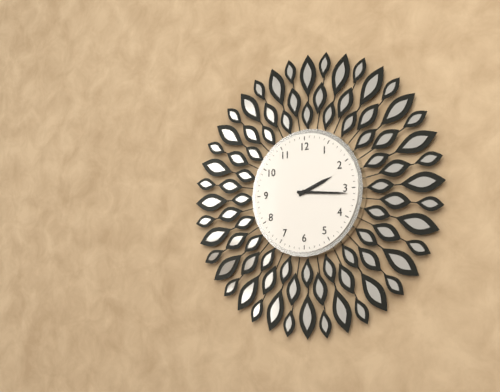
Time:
{"hour": 2, "minute": 16}
